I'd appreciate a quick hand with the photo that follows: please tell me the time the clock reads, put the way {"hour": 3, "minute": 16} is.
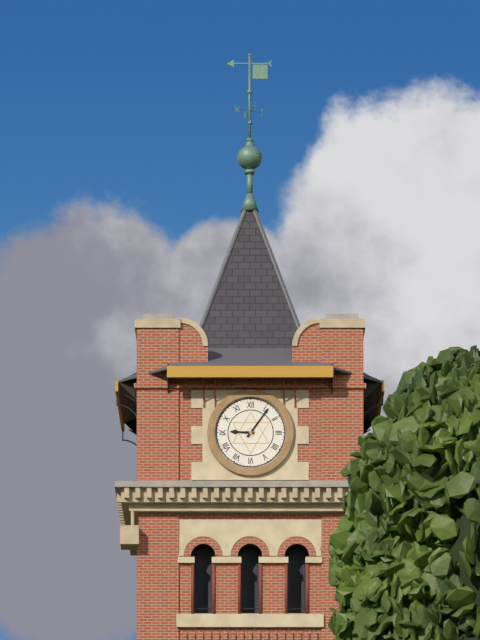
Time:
{"hour": 9, "minute": 6}
